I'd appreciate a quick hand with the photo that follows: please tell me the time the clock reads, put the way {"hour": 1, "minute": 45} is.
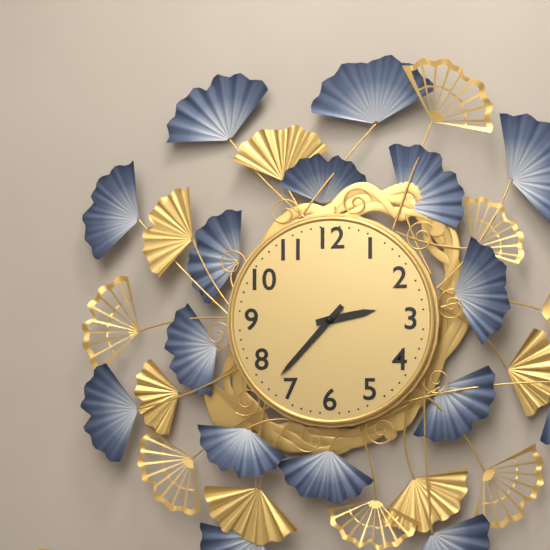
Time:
{"hour": 2, "minute": 37}
